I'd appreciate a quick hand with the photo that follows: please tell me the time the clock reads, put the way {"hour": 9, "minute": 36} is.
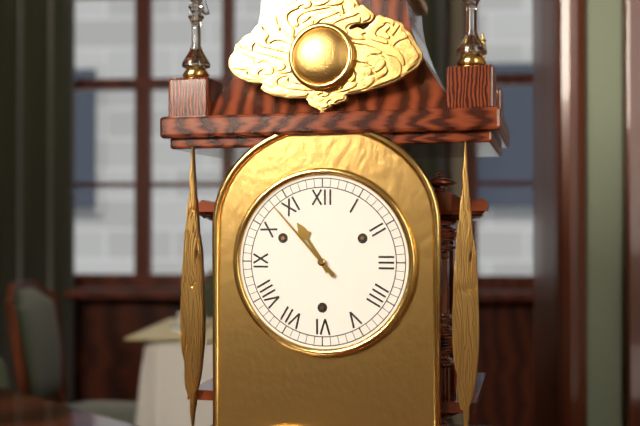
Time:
{"hour": 10, "minute": 53}
